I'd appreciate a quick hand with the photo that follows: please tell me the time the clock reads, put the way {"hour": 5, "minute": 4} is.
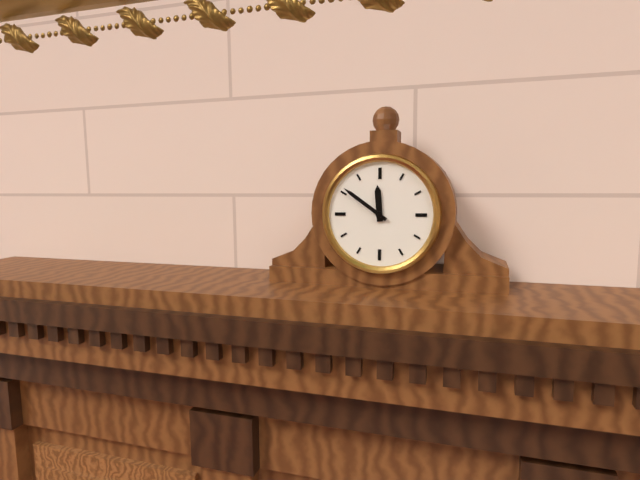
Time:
{"hour": 11, "minute": 51}
